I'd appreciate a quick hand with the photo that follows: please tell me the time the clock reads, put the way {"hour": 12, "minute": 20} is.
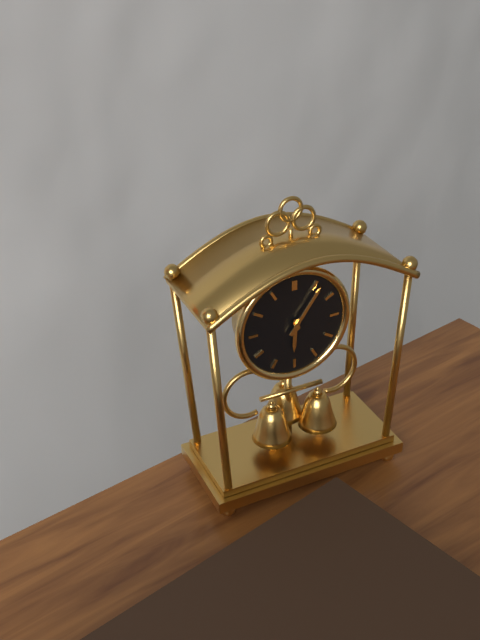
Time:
{"hour": 6, "minute": 6}
